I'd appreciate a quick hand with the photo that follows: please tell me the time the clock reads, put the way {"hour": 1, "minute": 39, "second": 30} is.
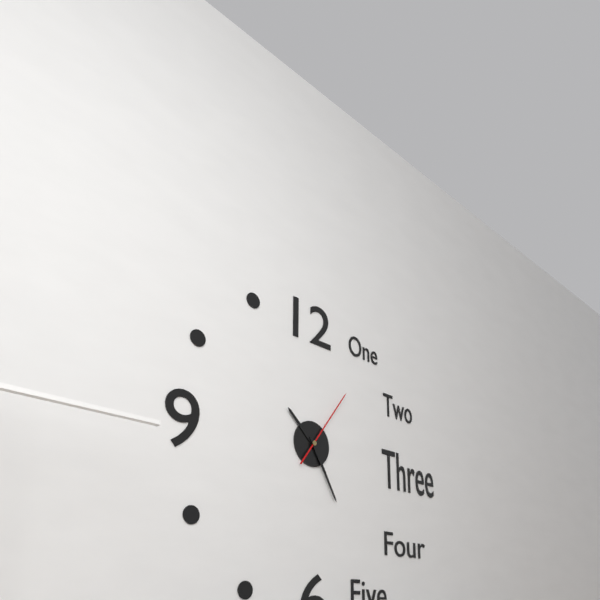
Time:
{"hour": 10, "minute": 25, "second": 6}
